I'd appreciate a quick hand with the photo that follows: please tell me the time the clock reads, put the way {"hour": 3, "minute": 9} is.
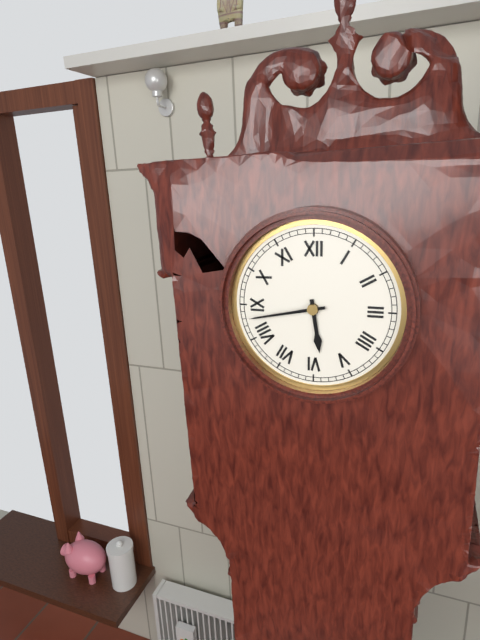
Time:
{"hour": 5, "minute": 43}
